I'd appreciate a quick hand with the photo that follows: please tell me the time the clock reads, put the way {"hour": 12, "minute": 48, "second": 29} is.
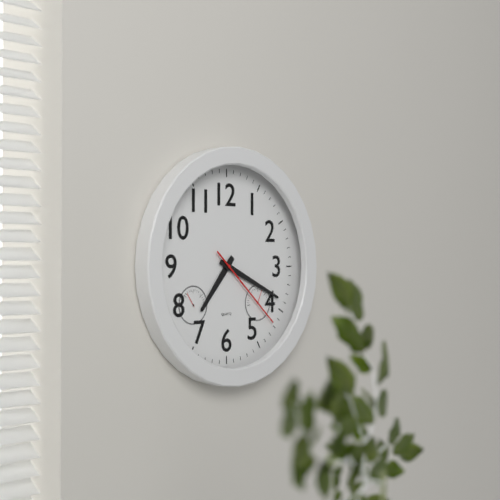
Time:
{"hour": 7, "minute": 19, "second": 22}
